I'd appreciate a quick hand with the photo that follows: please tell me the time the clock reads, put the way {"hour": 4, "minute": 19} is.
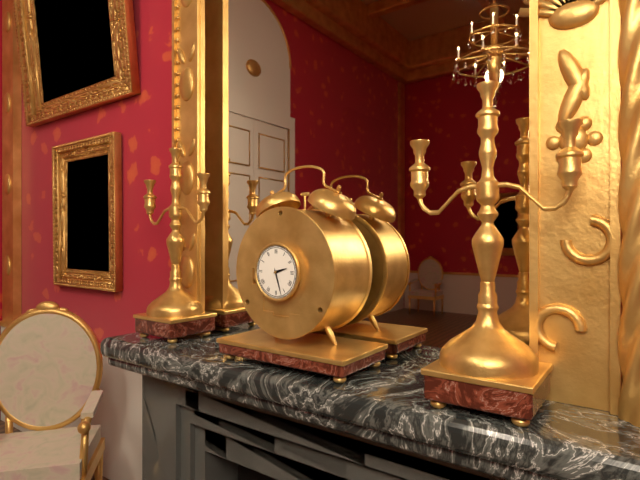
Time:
{"hour": 2, "minute": 27}
